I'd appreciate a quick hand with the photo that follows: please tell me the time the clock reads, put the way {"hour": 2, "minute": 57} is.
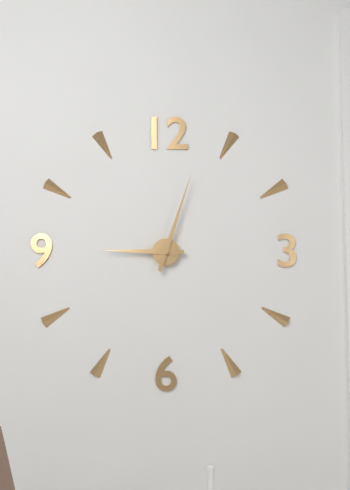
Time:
{"hour": 9, "minute": 3}
